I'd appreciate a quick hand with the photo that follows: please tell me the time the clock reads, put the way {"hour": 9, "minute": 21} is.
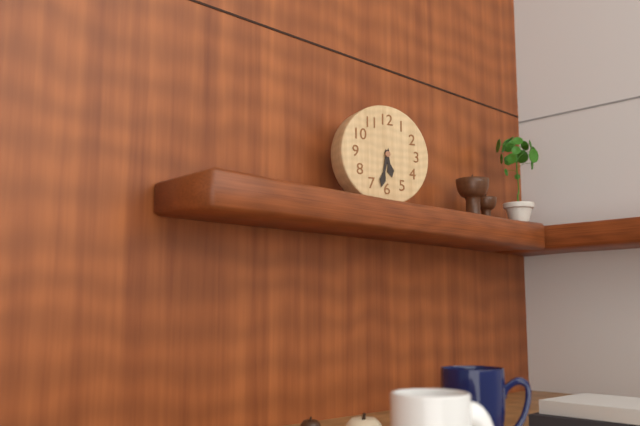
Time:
{"hour": 5, "minute": 32}
